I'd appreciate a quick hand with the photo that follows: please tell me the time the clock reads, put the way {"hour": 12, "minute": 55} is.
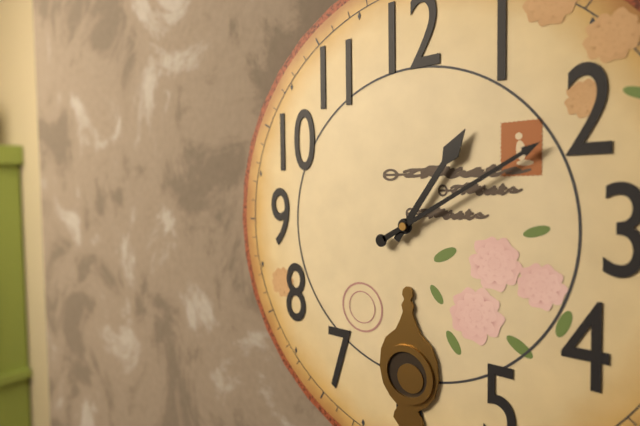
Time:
{"hour": 1, "minute": 10}
